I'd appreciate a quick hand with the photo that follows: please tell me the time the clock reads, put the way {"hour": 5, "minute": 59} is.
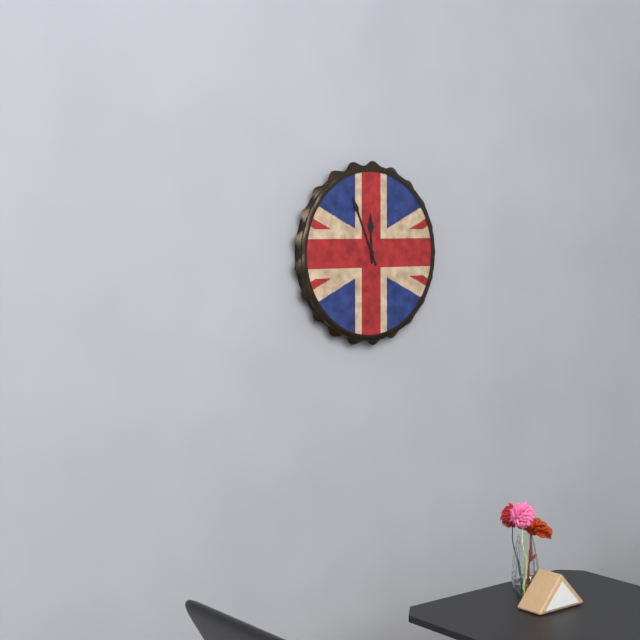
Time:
{"hour": 11, "minute": 56}
